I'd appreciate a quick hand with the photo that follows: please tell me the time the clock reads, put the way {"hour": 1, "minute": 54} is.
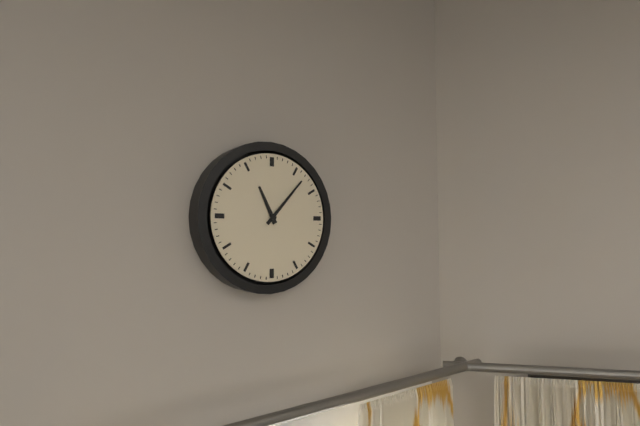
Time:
{"hour": 11, "minute": 7}
